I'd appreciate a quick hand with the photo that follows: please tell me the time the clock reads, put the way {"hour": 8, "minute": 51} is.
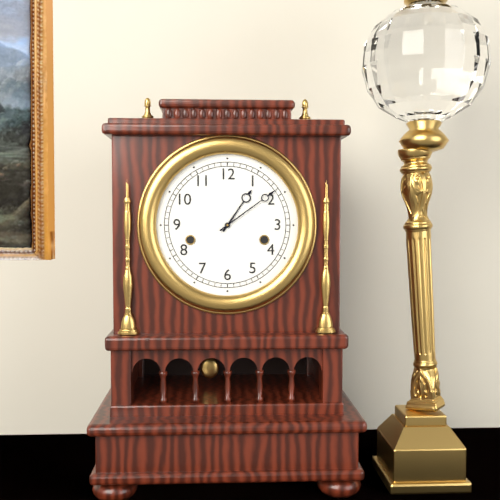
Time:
{"hour": 1, "minute": 9}
